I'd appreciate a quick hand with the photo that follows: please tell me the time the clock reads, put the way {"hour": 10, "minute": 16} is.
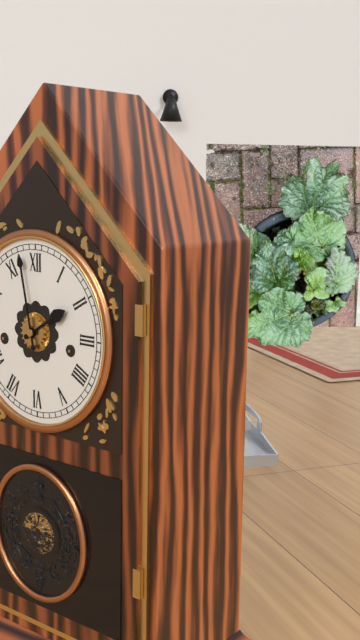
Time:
{"hour": 1, "minute": 58}
